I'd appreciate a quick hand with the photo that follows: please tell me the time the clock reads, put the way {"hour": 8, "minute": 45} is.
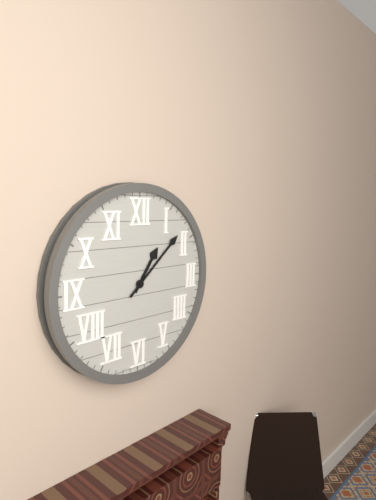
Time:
{"hour": 1, "minute": 8}
